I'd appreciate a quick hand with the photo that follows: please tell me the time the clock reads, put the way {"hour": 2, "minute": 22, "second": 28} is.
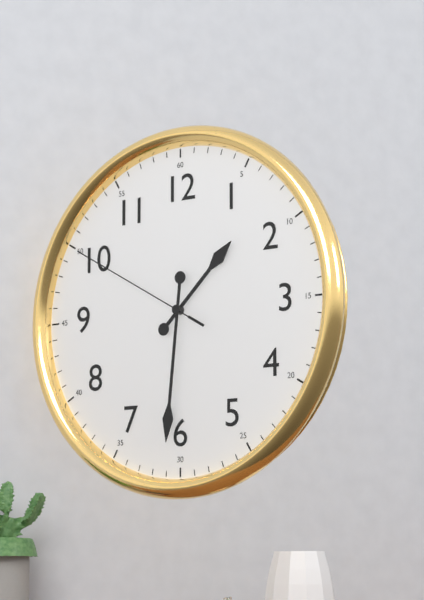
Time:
{"hour": 1, "minute": 31, "second": 50}
